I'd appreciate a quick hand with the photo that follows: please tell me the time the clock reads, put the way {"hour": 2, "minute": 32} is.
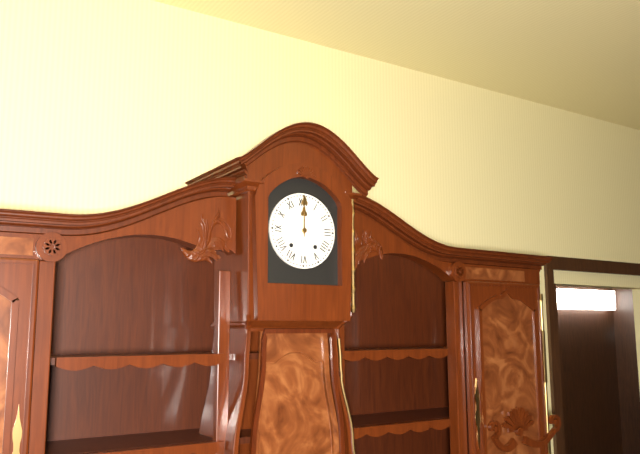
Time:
{"hour": 12, "minute": 0}
